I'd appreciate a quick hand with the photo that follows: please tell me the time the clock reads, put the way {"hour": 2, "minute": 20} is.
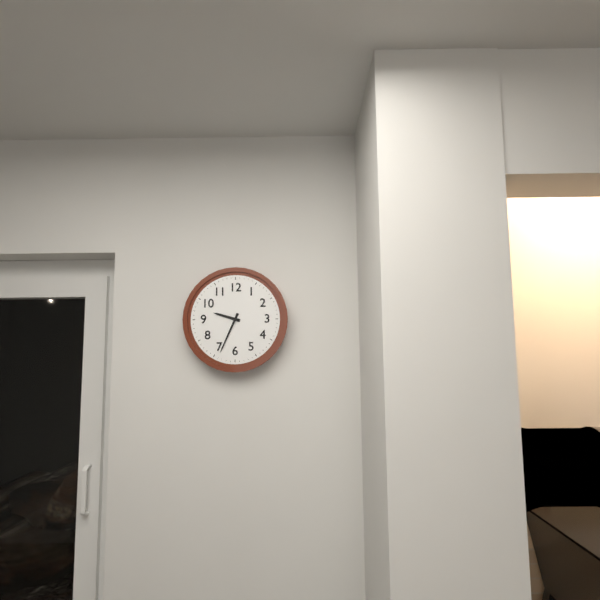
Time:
{"hour": 9, "minute": 34}
